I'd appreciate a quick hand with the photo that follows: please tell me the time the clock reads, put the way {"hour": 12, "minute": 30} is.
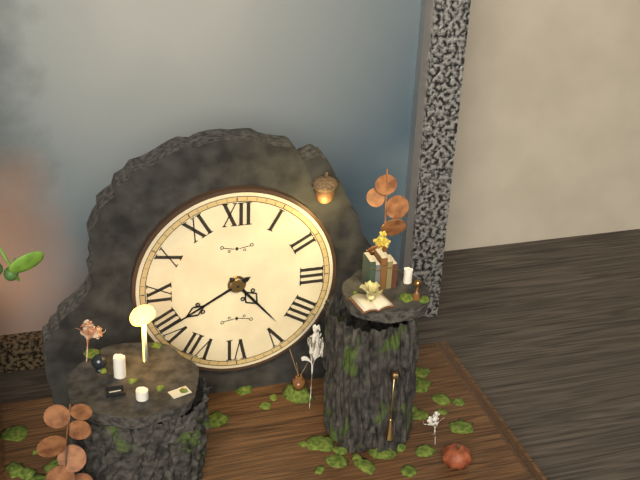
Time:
{"hour": 4, "minute": 40}
